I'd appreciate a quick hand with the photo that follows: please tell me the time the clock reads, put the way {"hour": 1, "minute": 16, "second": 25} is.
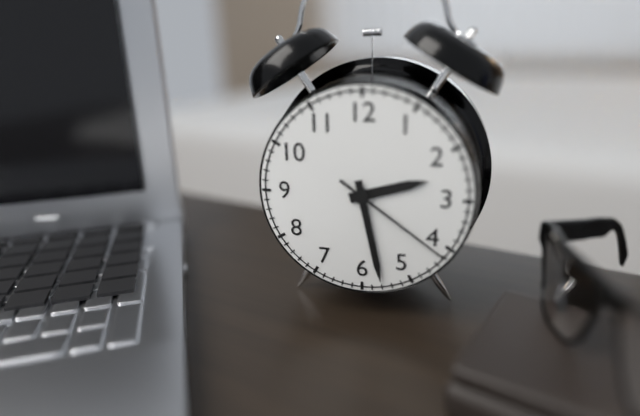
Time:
{"hour": 2, "minute": 28, "second": 21}
